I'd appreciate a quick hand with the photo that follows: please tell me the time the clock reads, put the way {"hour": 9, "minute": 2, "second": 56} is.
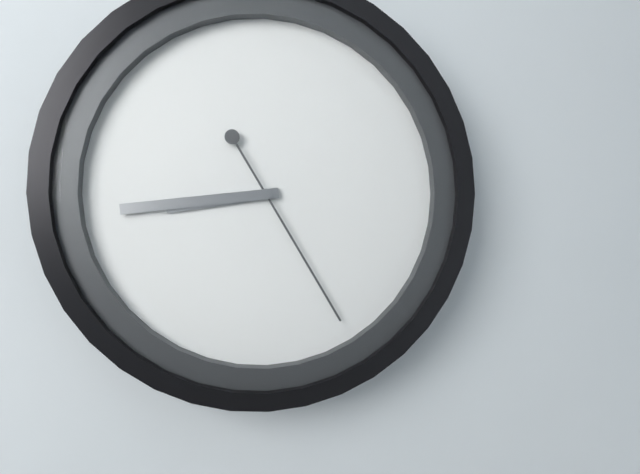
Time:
{"hour": 8, "minute": 44, "second": 25}
